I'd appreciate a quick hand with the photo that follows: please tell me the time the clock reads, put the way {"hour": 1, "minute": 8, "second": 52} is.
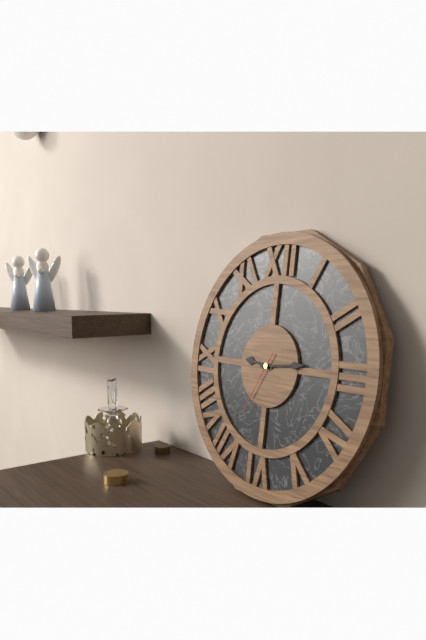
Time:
{"hour": 9, "minute": 14, "second": 35}
